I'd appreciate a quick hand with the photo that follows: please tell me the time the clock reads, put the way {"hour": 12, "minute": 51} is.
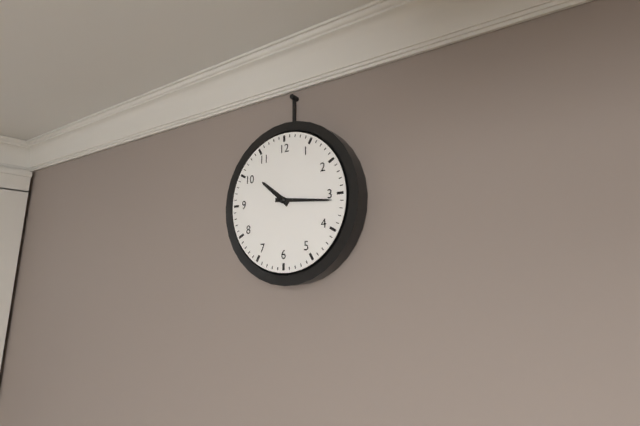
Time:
{"hour": 10, "minute": 16}
